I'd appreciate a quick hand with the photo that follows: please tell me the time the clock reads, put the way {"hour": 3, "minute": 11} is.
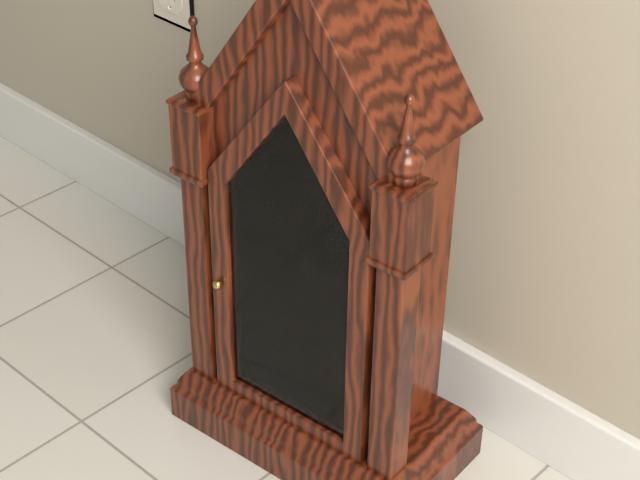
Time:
{"hour": 4, "minute": 59}
